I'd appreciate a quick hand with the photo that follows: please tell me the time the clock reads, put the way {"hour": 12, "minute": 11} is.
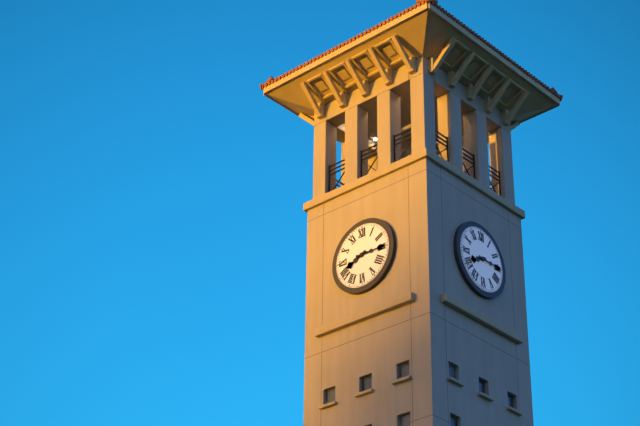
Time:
{"hour": 8, "minute": 15}
